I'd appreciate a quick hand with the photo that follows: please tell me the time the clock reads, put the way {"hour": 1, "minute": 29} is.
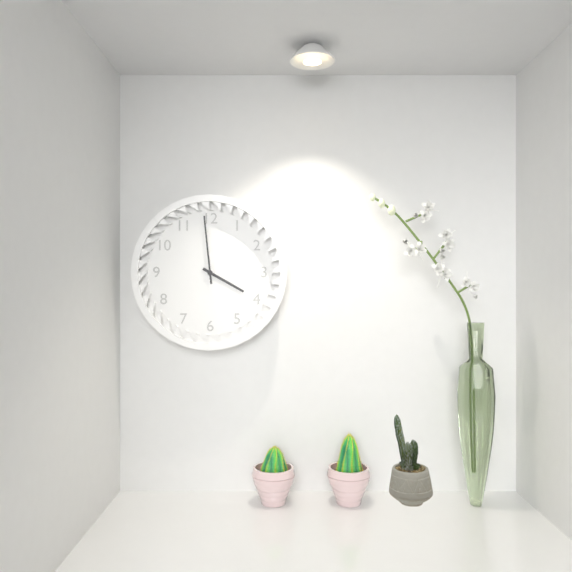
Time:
{"hour": 3, "minute": 59}
